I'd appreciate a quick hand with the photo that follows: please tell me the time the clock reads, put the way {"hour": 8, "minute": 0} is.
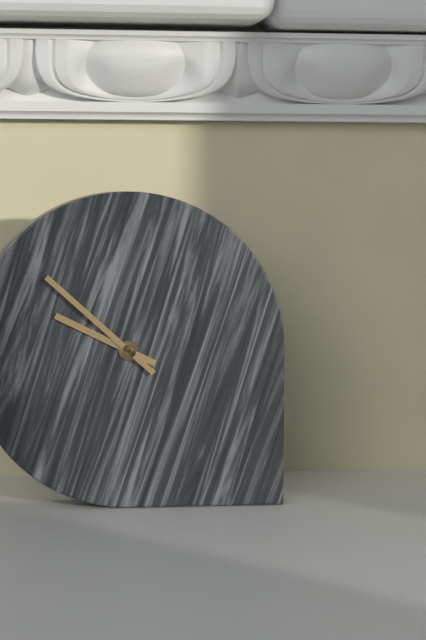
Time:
{"hour": 9, "minute": 52}
